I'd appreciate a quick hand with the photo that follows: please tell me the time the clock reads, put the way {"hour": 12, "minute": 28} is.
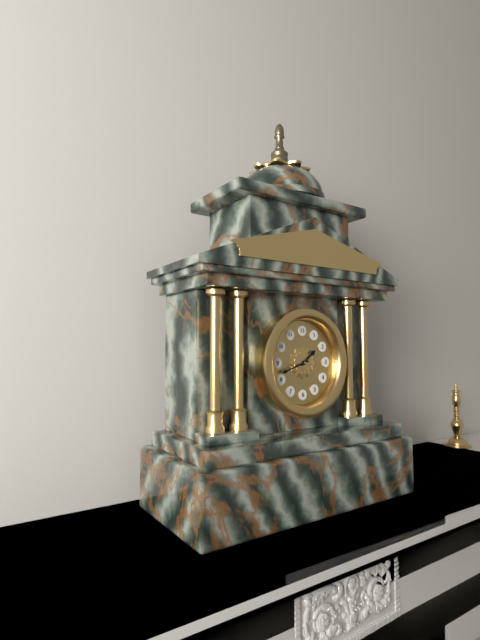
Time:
{"hour": 1, "minute": 42}
